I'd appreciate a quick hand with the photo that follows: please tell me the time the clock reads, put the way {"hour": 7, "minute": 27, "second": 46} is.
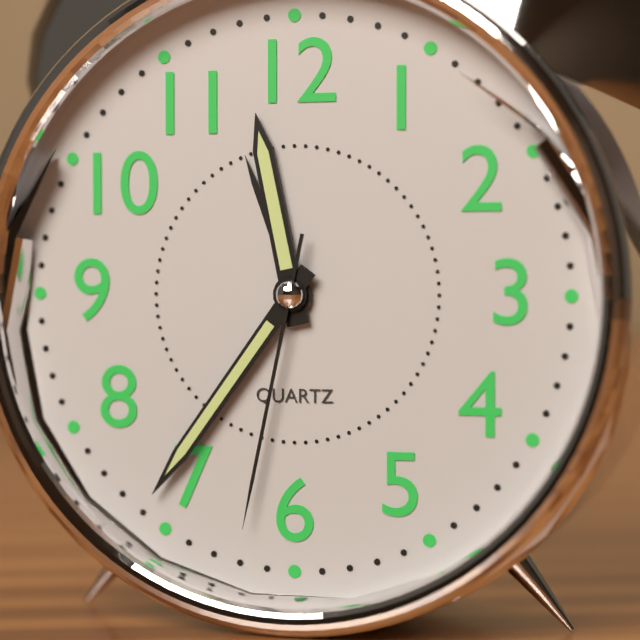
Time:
{"hour": 11, "minute": 36, "second": 32}
